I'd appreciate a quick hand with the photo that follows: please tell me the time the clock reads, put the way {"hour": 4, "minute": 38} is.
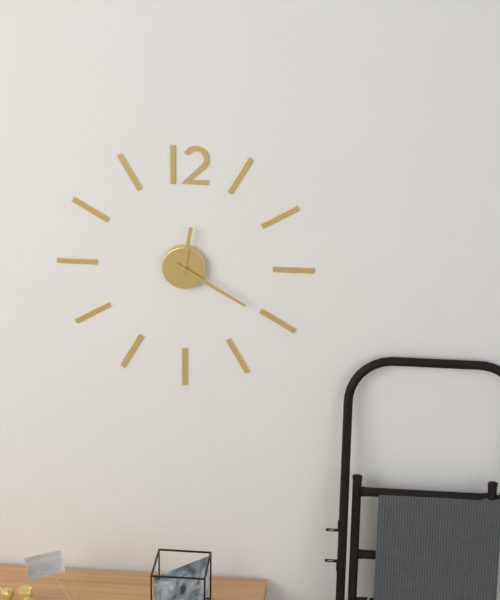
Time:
{"hour": 12, "minute": 20}
